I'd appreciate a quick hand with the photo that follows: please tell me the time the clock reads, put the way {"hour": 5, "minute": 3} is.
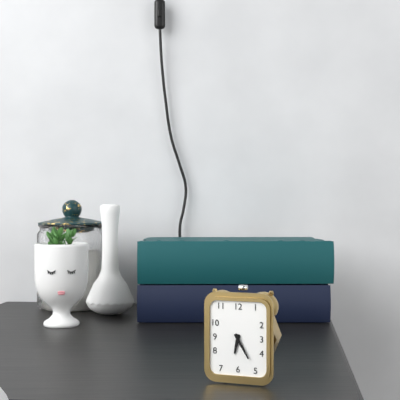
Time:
{"hour": 6, "minute": 25}
